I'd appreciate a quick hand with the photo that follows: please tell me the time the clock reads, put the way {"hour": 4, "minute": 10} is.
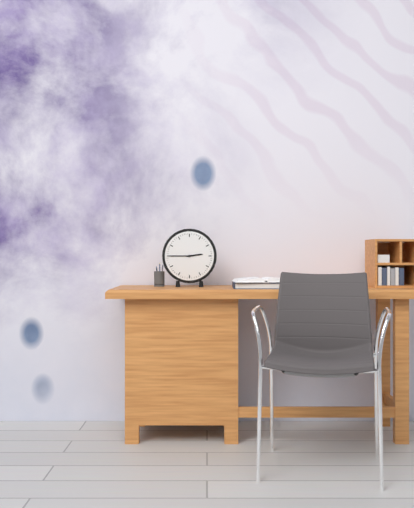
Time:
{"hour": 2, "minute": 45}
